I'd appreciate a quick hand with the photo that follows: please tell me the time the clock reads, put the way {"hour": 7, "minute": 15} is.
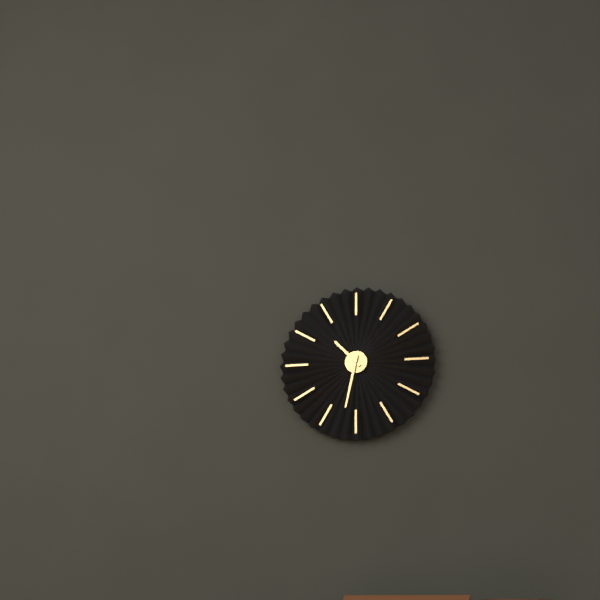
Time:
{"hour": 10, "minute": 32}
